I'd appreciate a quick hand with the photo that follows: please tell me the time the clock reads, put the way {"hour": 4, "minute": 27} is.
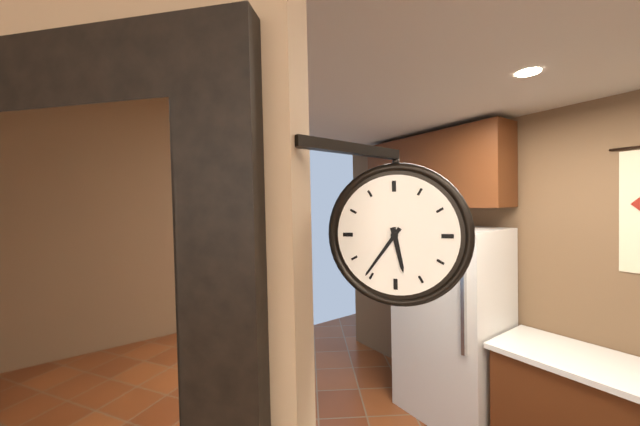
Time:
{"hour": 5, "minute": 36}
